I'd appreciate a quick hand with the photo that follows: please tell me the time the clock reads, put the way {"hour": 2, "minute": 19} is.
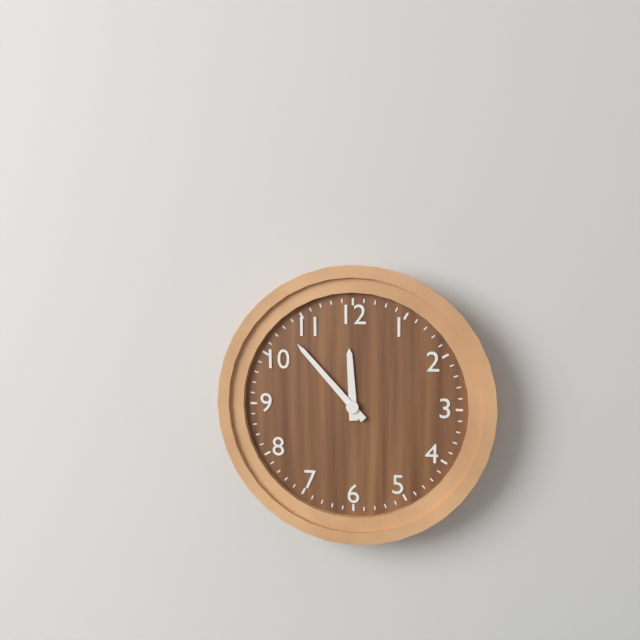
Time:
{"hour": 11, "minute": 53}
